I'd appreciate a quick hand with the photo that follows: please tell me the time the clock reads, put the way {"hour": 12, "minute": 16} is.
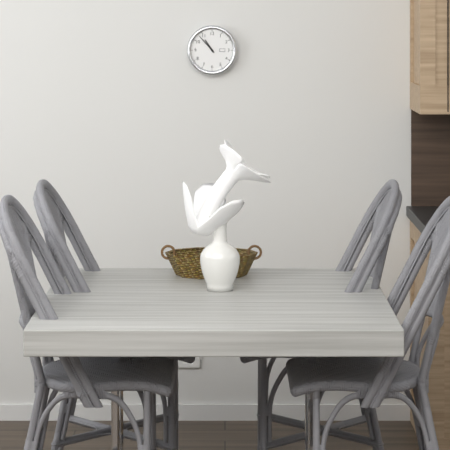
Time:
{"hour": 10, "minute": 53}
